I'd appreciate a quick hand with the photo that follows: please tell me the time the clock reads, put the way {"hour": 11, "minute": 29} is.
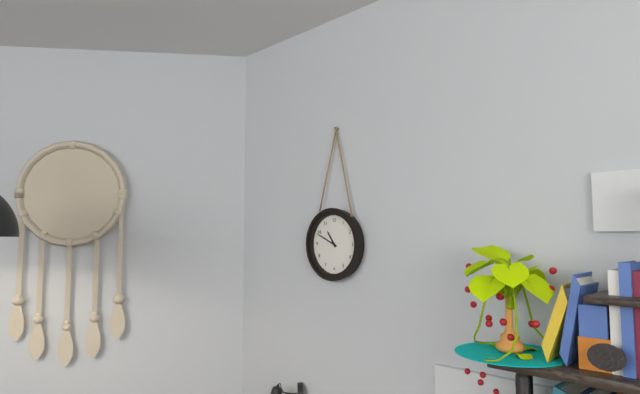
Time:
{"hour": 10, "minute": 49}
